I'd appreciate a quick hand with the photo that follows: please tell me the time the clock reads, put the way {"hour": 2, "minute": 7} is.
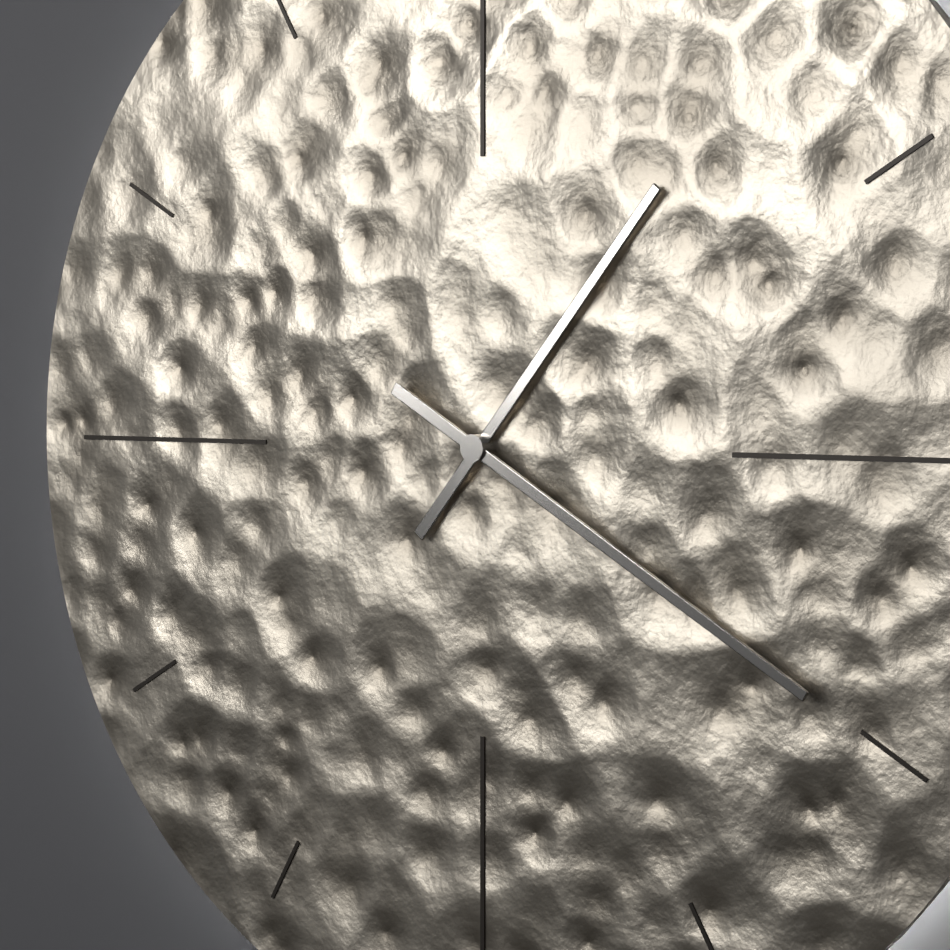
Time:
{"hour": 1, "minute": 20}
